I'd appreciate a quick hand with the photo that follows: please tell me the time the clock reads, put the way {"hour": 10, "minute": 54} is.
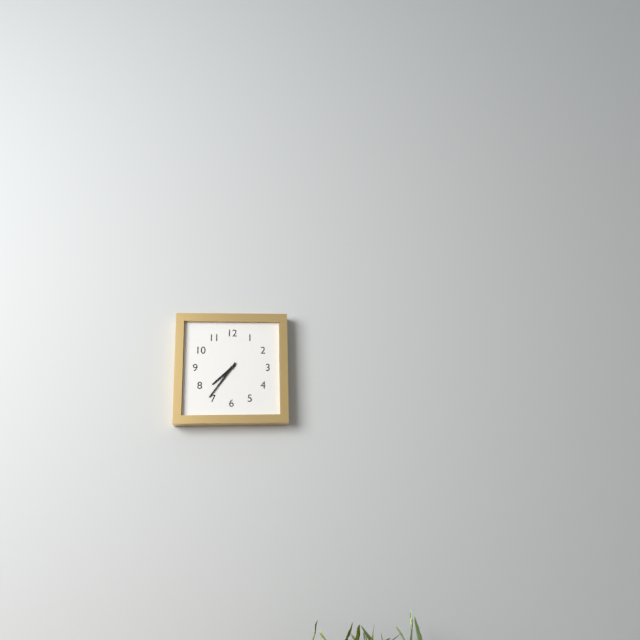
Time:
{"hour": 7, "minute": 36}
